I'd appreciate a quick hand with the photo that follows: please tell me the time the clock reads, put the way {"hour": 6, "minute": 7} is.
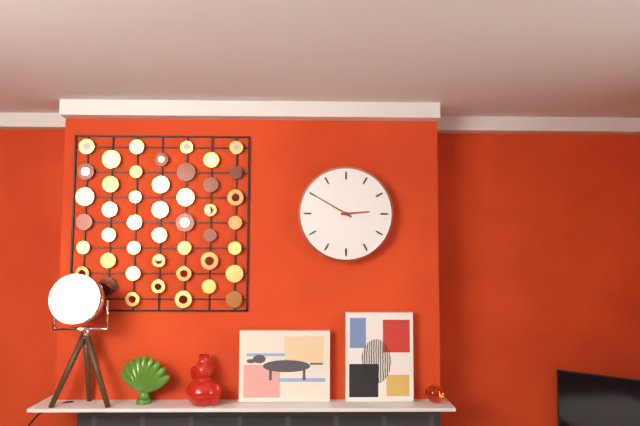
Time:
{"hour": 2, "minute": 50}
